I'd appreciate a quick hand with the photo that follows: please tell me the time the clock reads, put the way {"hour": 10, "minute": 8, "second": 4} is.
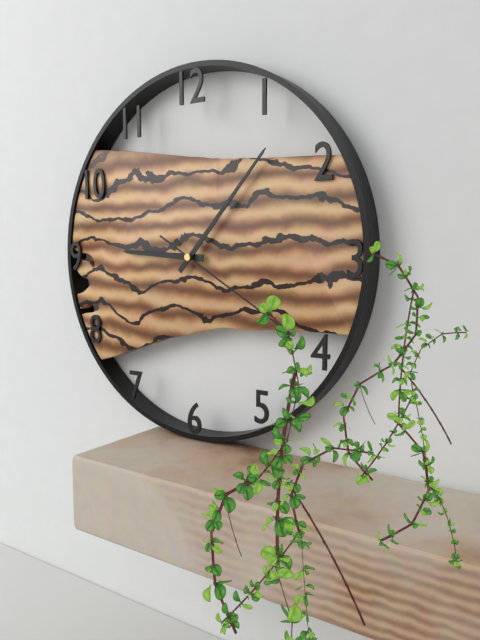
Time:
{"hour": 9, "minute": 7, "second": 20}
